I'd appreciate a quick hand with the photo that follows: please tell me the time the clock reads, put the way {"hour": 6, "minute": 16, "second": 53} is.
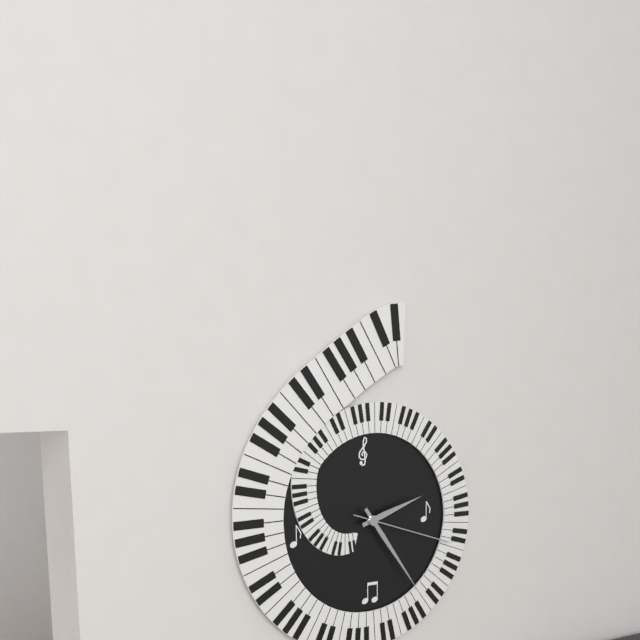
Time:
{"hour": 2, "minute": 24, "second": 18}
